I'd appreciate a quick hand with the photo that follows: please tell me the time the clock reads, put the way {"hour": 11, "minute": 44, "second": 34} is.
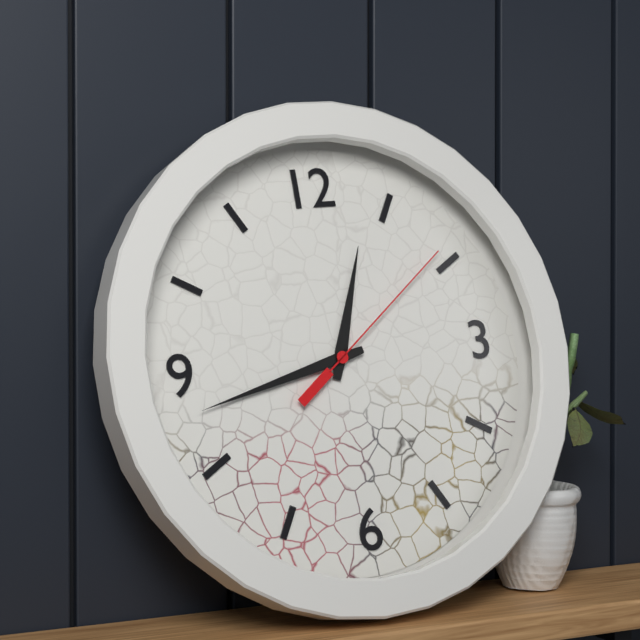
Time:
{"hour": 12, "minute": 43, "second": 9}
